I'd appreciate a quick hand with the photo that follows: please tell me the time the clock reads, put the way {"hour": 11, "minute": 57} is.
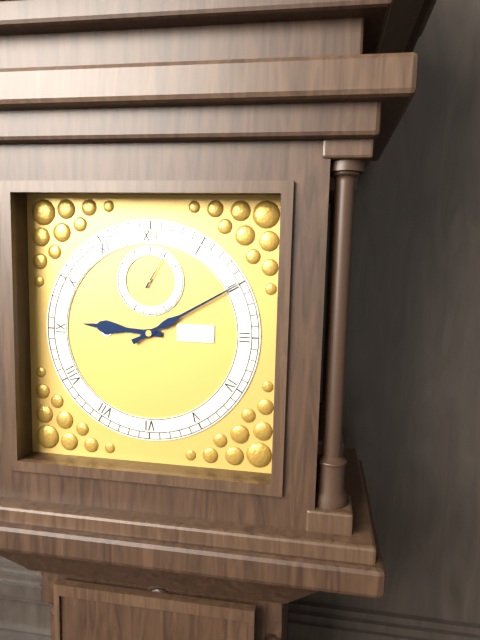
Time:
{"hour": 9, "minute": 10}
